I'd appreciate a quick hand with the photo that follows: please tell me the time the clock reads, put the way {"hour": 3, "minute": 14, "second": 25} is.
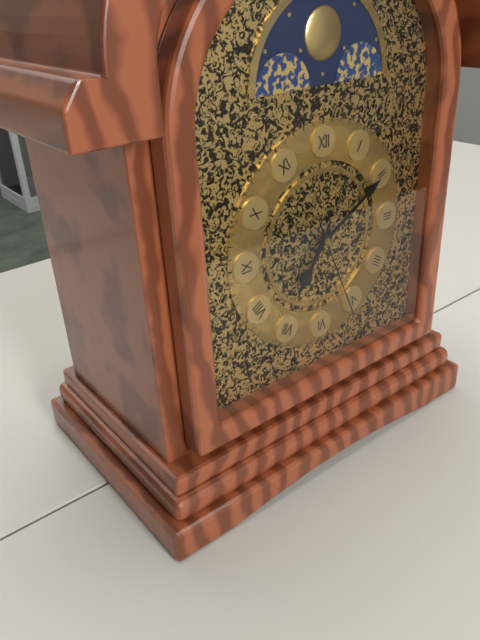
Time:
{"hour": 7, "minute": 10, "second": 26}
